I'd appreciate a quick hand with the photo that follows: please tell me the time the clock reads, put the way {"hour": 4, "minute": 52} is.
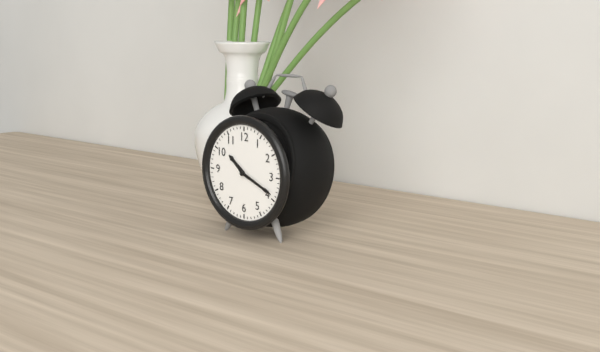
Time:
{"hour": 10, "minute": 19}
